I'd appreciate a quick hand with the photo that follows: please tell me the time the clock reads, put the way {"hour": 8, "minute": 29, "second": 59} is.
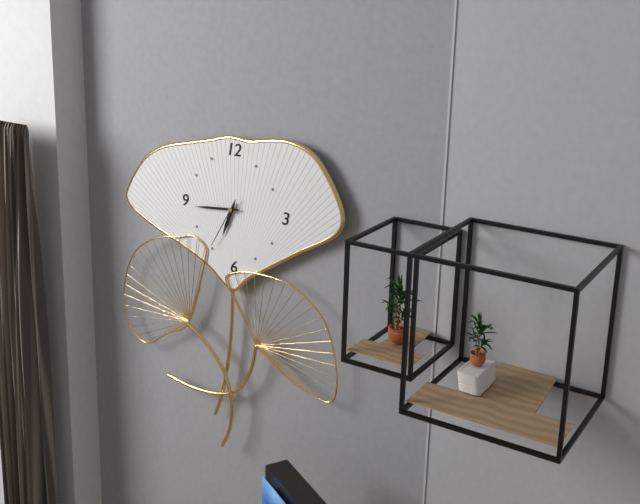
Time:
{"hour": 6, "minute": 44, "second": 35}
